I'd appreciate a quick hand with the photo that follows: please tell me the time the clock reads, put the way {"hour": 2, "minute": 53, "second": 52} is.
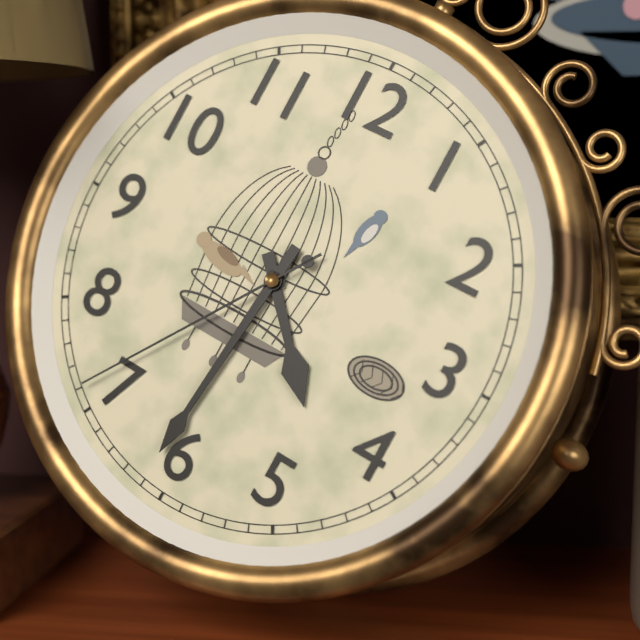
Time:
{"hour": 4, "minute": 31, "second": 36}
